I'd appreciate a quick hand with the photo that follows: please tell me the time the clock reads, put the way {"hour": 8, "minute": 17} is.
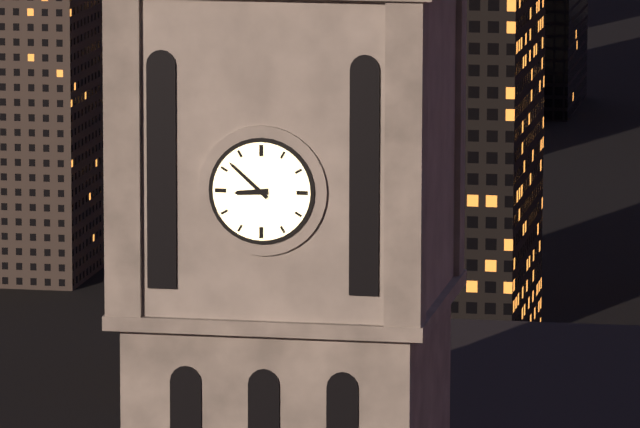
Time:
{"hour": 8, "minute": 52}
